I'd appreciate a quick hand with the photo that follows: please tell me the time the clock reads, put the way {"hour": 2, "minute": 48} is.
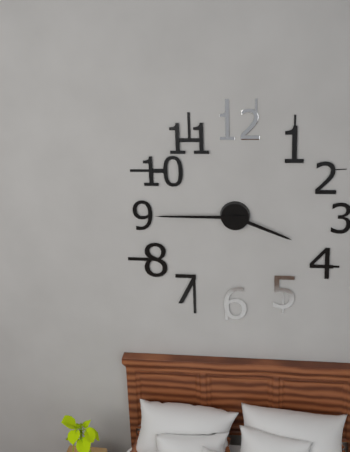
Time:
{"hour": 3, "minute": 45}
